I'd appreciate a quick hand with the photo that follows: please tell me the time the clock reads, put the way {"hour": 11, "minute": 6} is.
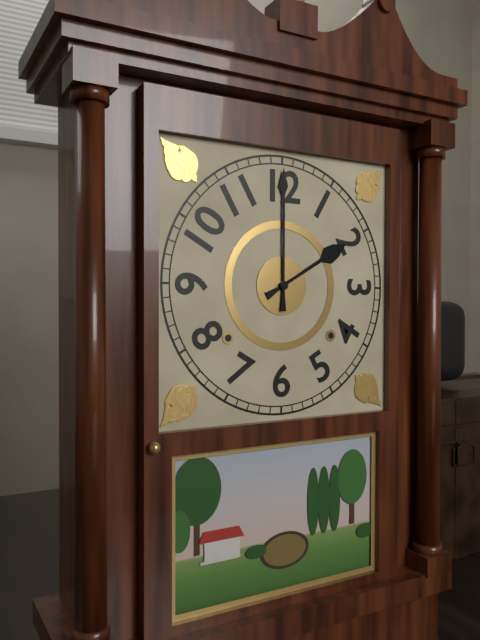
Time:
{"hour": 2, "minute": 0}
